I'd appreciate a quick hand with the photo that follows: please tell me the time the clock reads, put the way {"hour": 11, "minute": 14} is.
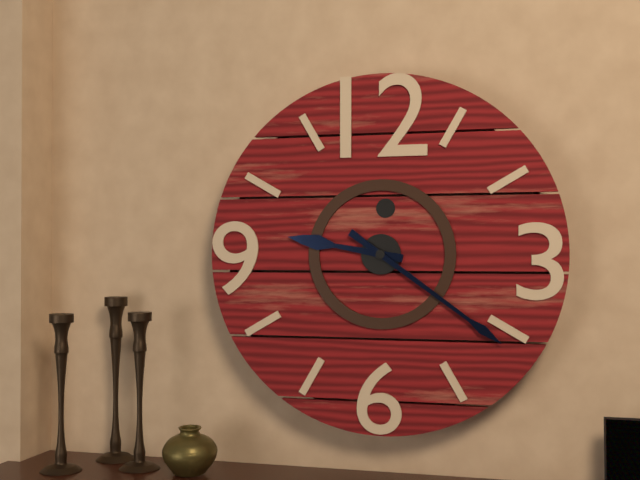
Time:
{"hour": 9, "minute": 21}
